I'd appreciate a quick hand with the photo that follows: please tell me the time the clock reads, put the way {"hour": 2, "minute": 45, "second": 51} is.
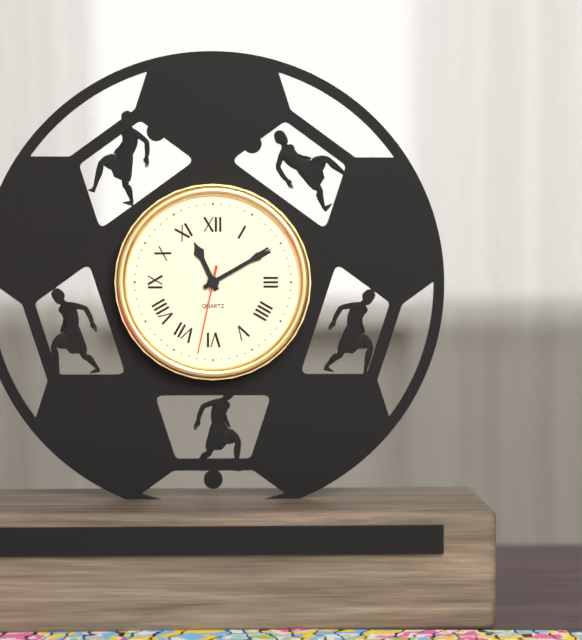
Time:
{"hour": 11, "minute": 10, "second": 32}
